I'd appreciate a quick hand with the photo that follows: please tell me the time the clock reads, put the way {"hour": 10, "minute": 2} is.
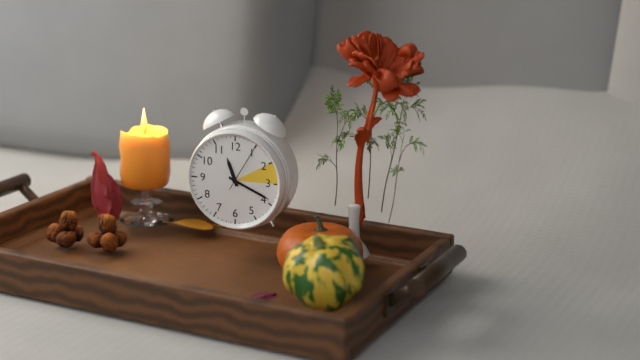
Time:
{"hour": 11, "minute": 19}
